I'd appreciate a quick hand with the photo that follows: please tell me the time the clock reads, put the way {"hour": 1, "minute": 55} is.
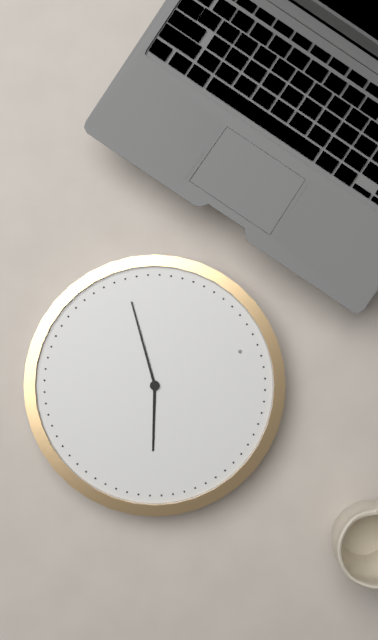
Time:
{"hour": 3, "minute": 46}
